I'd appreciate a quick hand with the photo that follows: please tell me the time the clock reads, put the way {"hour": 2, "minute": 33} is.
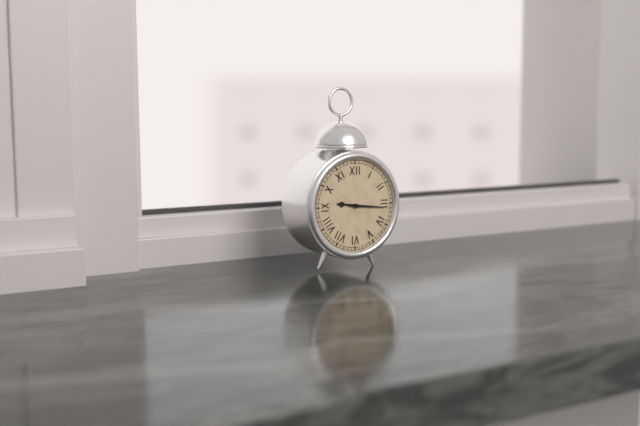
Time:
{"hour": 9, "minute": 16}
